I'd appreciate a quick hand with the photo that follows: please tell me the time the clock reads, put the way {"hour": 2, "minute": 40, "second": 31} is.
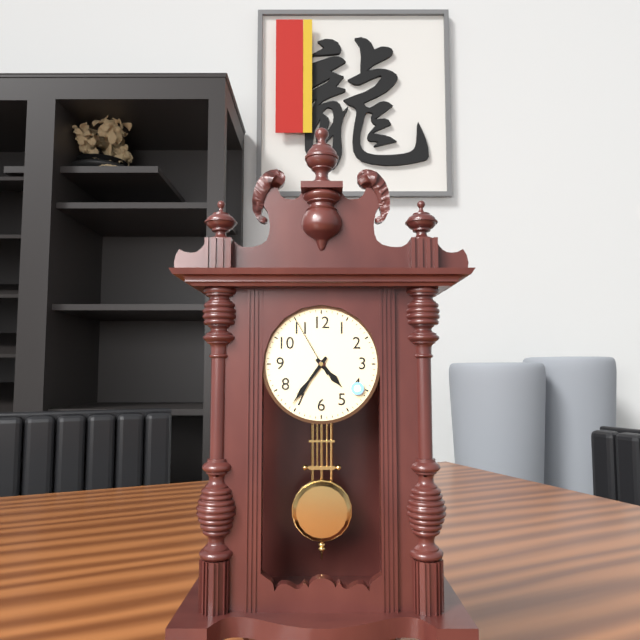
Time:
{"hour": 4, "minute": 36, "second": 55}
